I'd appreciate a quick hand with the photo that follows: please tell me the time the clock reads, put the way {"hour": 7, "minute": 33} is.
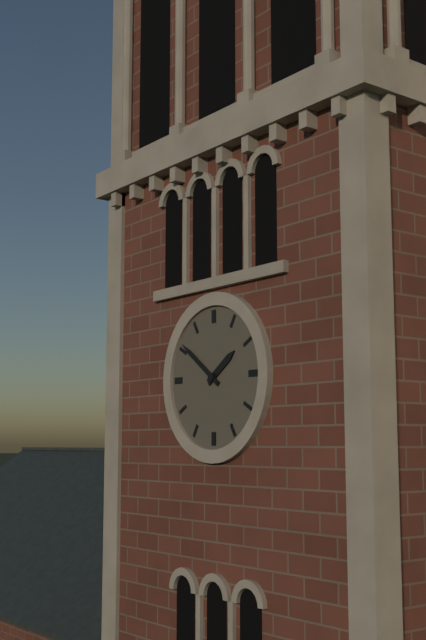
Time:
{"hour": 1, "minute": 51}
